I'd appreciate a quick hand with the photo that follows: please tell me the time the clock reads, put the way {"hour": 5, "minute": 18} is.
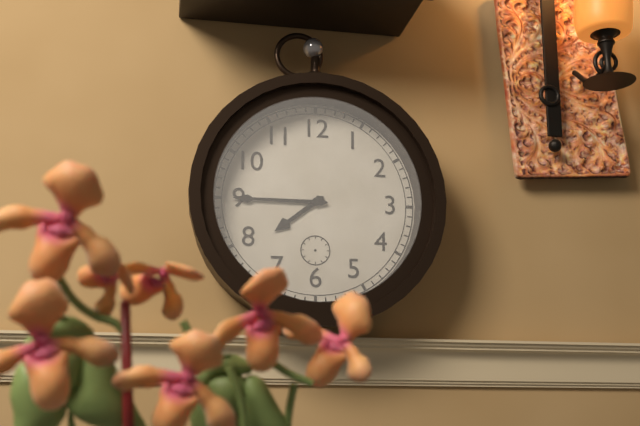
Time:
{"hour": 7, "minute": 45}
